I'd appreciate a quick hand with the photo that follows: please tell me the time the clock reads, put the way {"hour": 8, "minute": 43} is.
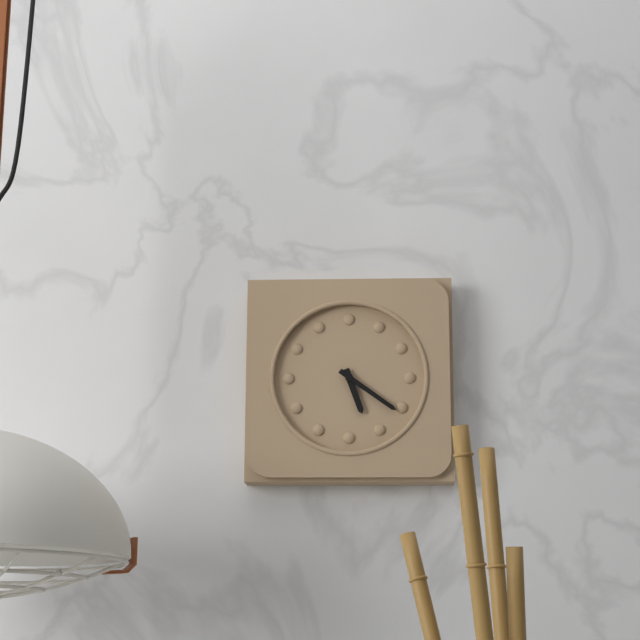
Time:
{"hour": 5, "minute": 21}
